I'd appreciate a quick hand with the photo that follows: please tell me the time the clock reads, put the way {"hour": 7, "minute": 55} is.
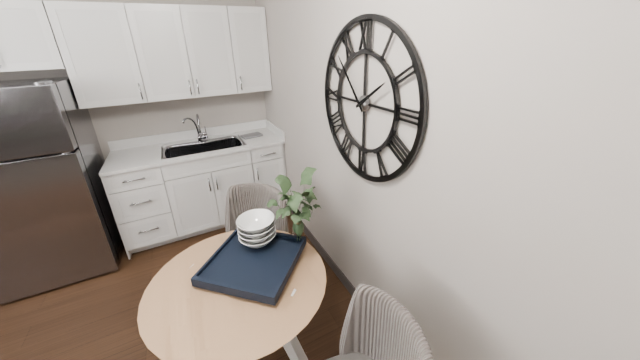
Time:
{"hour": 1, "minute": 53}
